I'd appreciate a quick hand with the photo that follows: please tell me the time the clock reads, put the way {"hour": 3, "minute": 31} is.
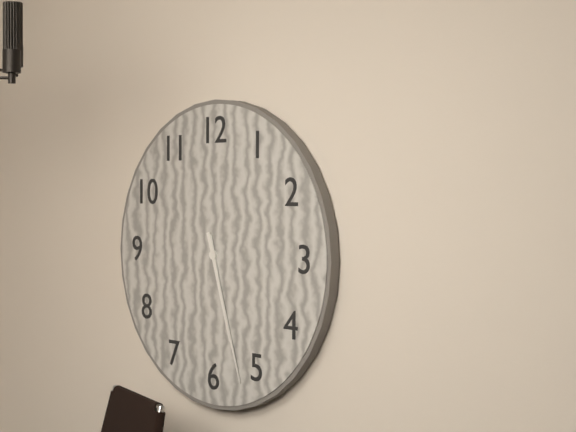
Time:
{"hour": 5, "minute": 27}
